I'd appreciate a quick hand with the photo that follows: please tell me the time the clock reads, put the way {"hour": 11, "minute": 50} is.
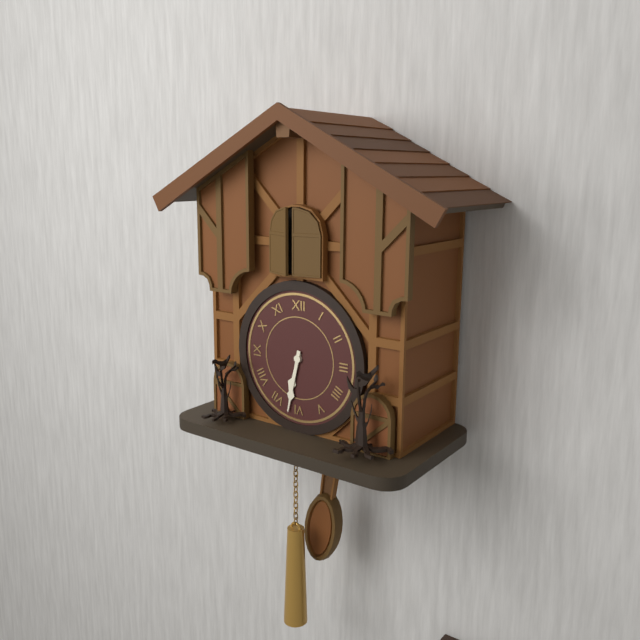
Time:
{"hour": 6, "minute": 32}
